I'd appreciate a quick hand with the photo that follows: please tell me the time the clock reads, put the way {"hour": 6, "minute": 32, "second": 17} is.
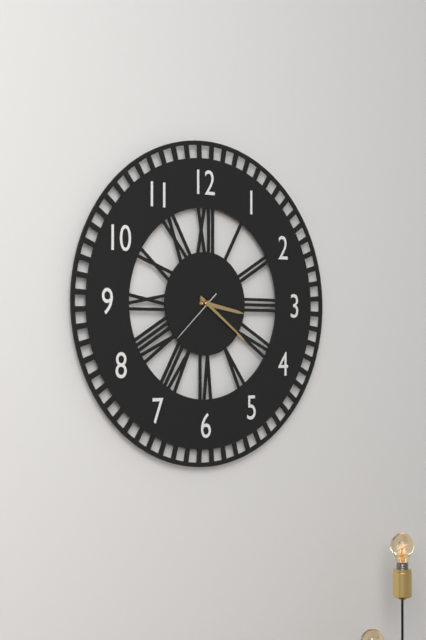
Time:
{"hour": 3, "minute": 21, "second": 38}
